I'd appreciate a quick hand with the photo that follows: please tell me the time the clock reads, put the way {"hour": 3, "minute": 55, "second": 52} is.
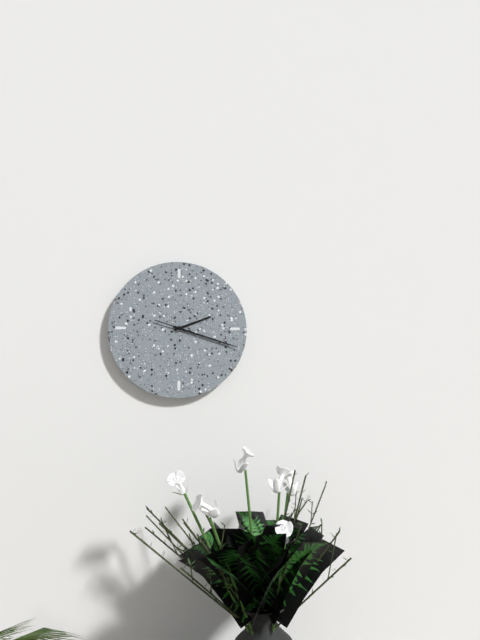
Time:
{"hour": 2, "minute": 18, "second": 18}
